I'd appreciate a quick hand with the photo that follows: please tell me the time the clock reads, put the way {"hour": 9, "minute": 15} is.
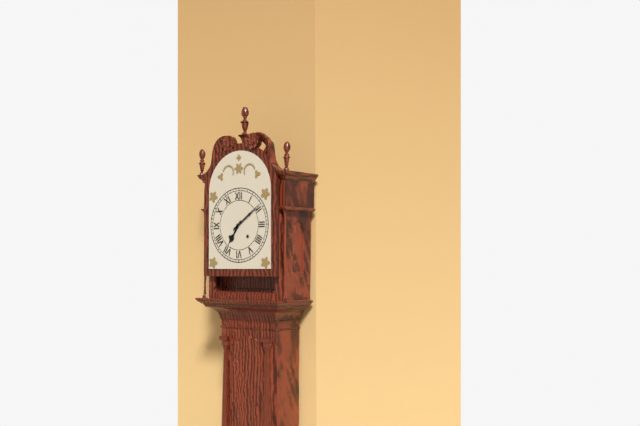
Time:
{"hour": 7, "minute": 9}
